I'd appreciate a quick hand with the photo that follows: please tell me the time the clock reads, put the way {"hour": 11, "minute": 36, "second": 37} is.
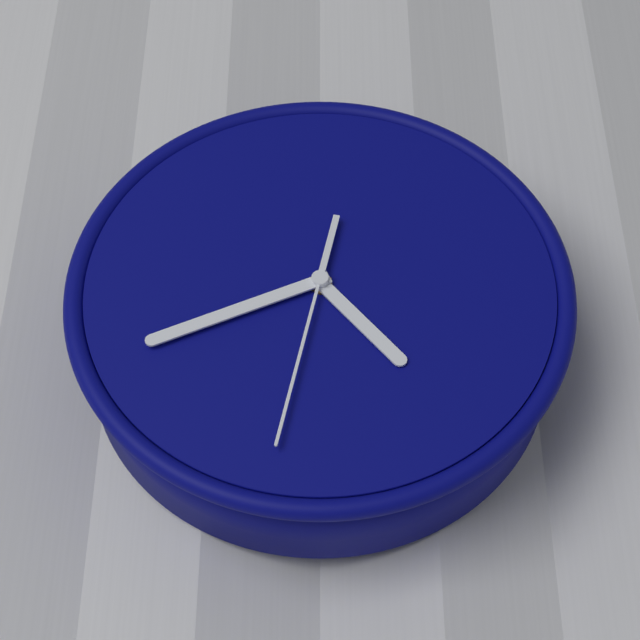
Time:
{"hour": 4, "minute": 41, "second": 32}
